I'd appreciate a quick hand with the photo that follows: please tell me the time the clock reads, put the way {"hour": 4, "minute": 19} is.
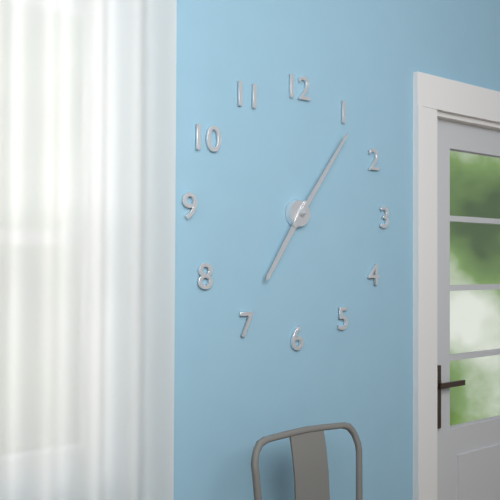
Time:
{"hour": 7, "minute": 6}
